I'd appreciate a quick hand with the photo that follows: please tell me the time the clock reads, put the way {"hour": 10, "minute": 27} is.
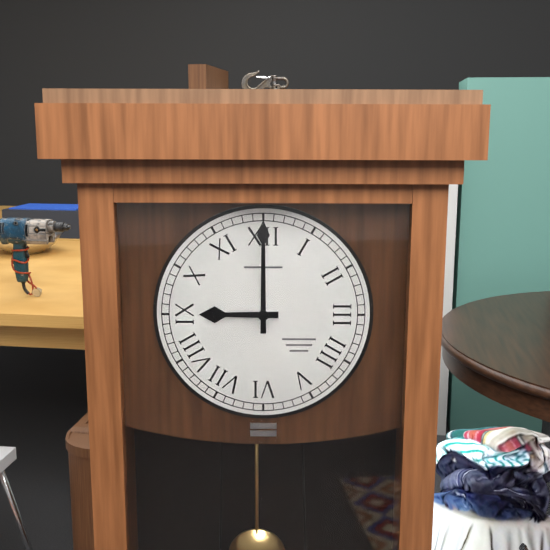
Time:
{"hour": 9, "minute": 0}
